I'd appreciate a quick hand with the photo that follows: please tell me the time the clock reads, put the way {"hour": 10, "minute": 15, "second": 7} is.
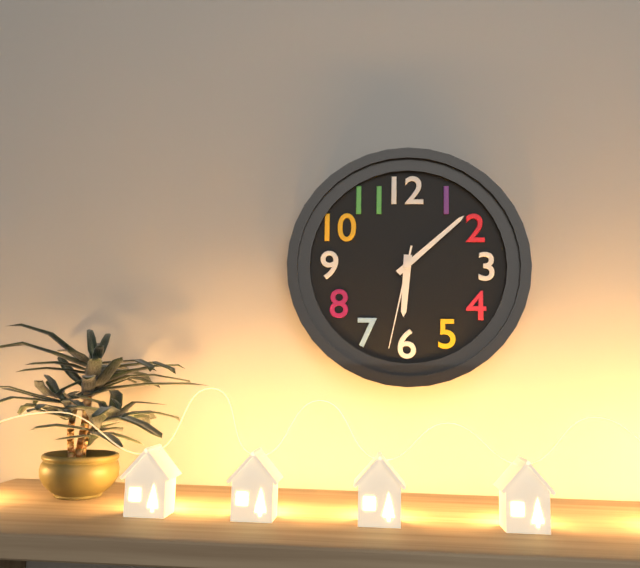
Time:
{"hour": 6, "minute": 8, "second": 32}
